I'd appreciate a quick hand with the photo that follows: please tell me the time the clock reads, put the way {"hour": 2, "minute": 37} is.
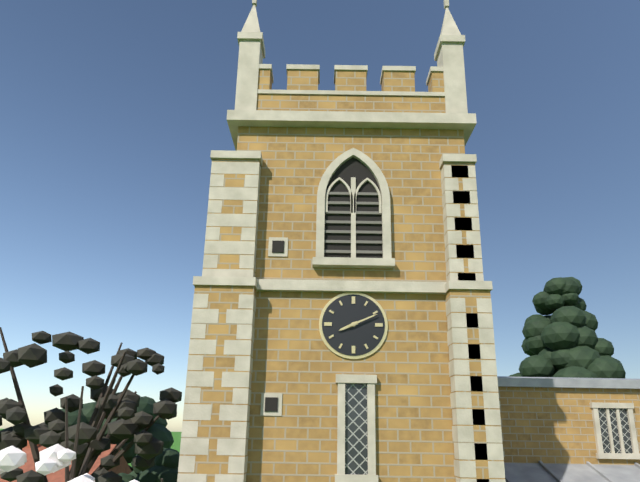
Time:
{"hour": 8, "minute": 11}
